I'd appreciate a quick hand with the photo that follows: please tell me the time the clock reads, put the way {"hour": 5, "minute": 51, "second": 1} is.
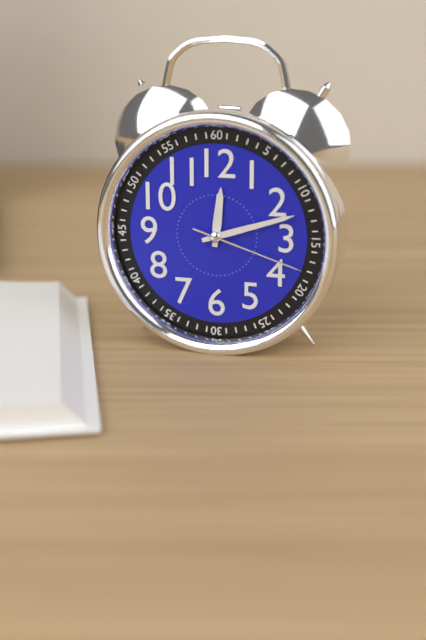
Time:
{"hour": 12, "minute": 12, "second": 18}
